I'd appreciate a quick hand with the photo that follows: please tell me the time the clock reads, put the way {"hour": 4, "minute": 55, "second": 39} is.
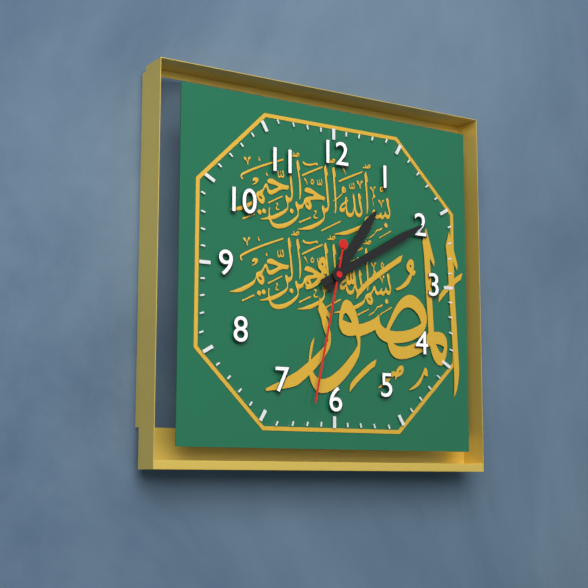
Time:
{"hour": 1, "minute": 10, "second": 32}
